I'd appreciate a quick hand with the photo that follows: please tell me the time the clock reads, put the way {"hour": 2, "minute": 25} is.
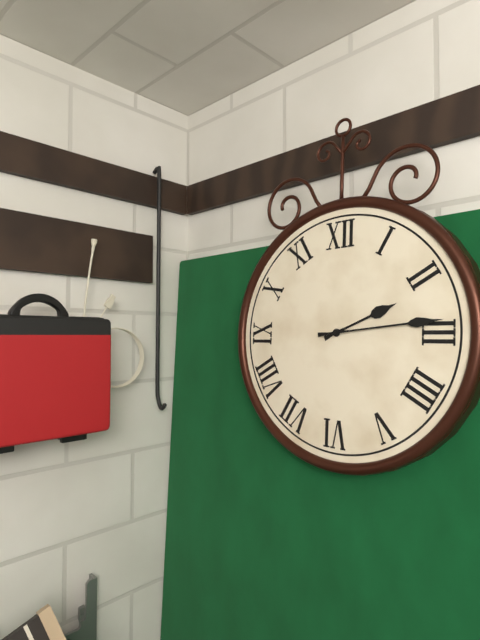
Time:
{"hour": 2, "minute": 14}
